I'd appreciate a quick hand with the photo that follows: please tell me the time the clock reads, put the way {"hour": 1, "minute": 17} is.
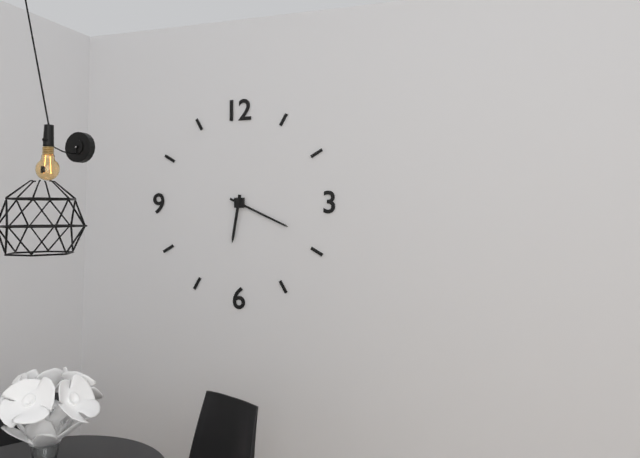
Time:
{"hour": 6, "minute": 19}
